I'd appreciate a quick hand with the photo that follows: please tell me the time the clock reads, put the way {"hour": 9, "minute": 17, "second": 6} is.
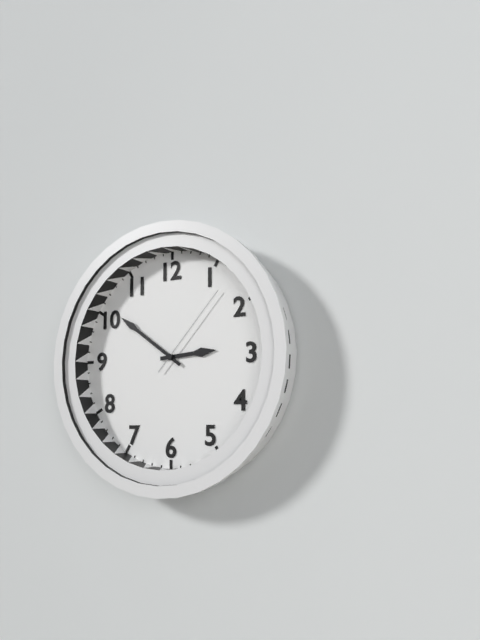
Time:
{"hour": 2, "minute": 51, "second": 7}
